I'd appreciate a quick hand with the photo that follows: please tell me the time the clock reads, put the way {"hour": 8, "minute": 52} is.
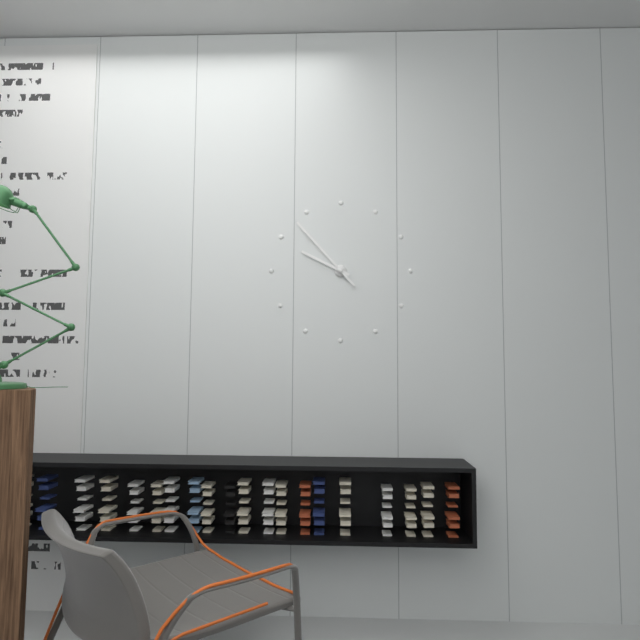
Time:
{"hour": 9, "minute": 53}
